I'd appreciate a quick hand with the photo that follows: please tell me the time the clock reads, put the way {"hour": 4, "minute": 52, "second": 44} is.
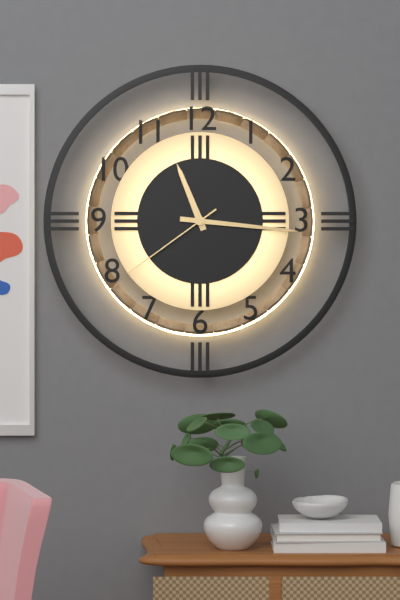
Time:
{"hour": 11, "minute": 16, "second": 39}
